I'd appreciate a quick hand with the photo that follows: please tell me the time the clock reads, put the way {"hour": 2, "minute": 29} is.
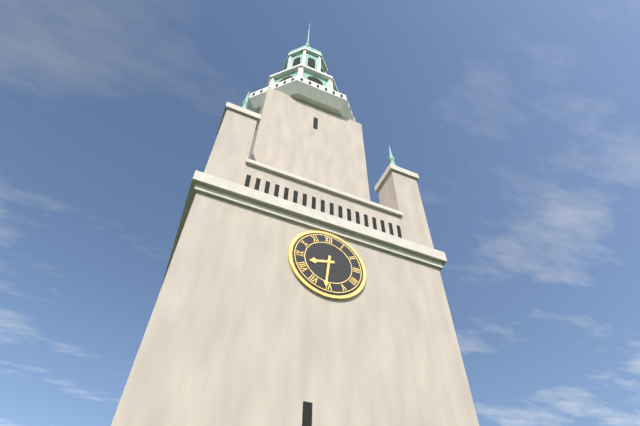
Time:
{"hour": 8, "minute": 31}
